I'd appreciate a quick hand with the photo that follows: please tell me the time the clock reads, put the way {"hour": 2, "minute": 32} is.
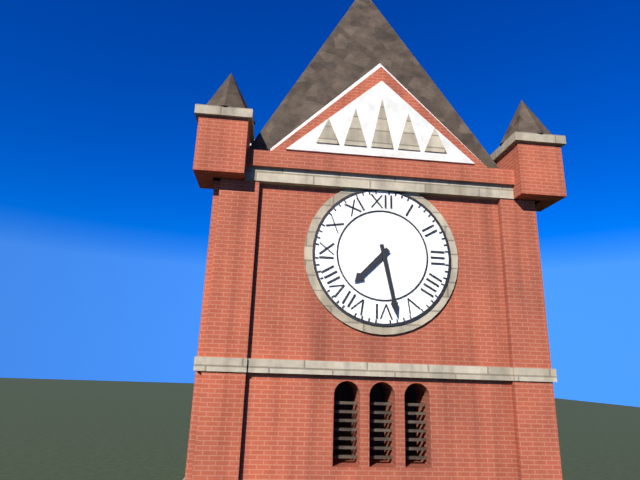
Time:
{"hour": 7, "minute": 28}
